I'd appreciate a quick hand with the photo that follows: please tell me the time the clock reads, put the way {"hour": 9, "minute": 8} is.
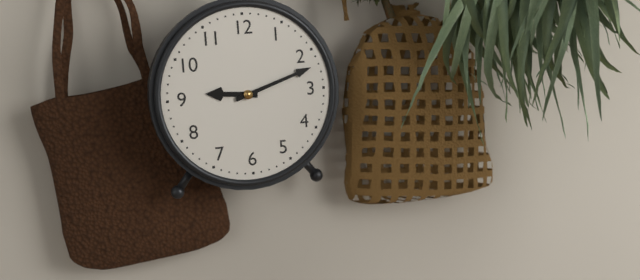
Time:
{"hour": 9, "minute": 12}
